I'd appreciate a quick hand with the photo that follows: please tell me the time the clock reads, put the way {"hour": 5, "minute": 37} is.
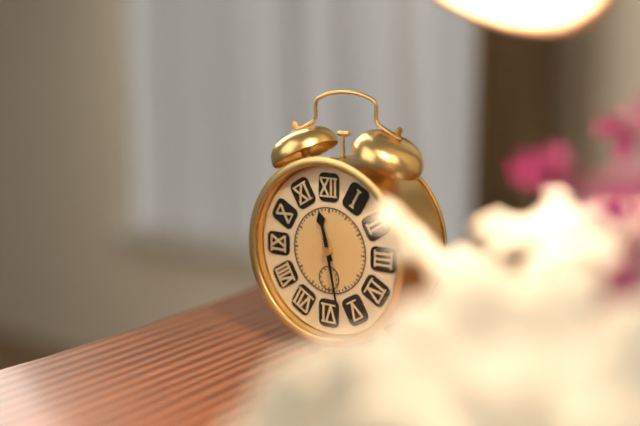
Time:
{"hour": 11, "minute": 28}
